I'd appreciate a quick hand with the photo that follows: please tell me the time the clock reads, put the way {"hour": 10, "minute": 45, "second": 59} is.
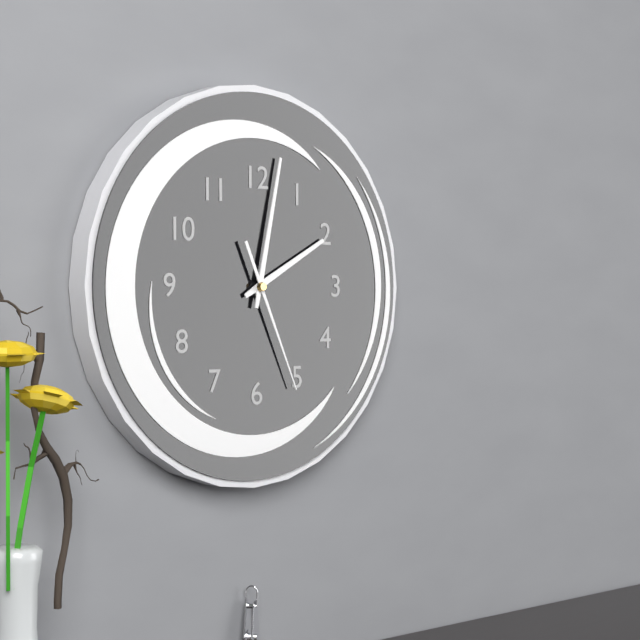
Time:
{"hour": 2, "minute": 2, "second": 26}
